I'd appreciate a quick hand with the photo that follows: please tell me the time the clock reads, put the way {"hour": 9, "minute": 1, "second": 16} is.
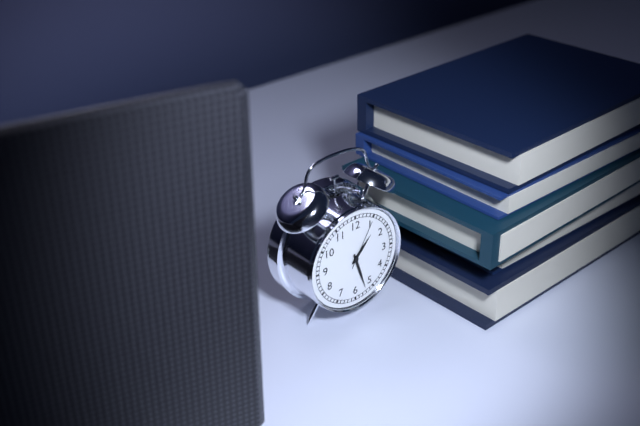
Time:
{"hour": 1, "minute": 27, "second": 5}
